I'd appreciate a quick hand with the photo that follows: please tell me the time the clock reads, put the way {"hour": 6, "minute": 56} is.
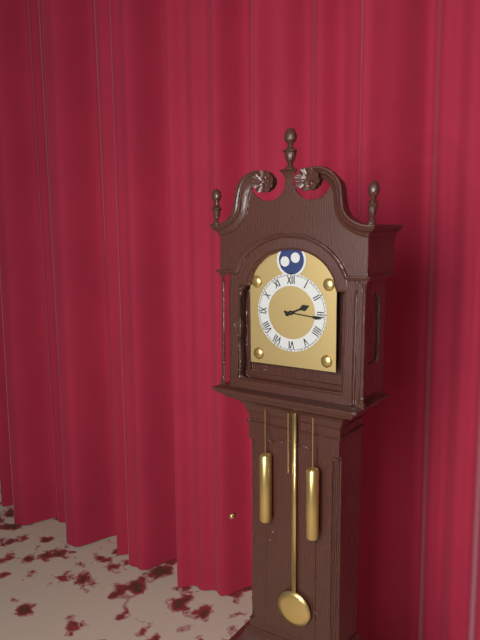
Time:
{"hour": 2, "minute": 16}
